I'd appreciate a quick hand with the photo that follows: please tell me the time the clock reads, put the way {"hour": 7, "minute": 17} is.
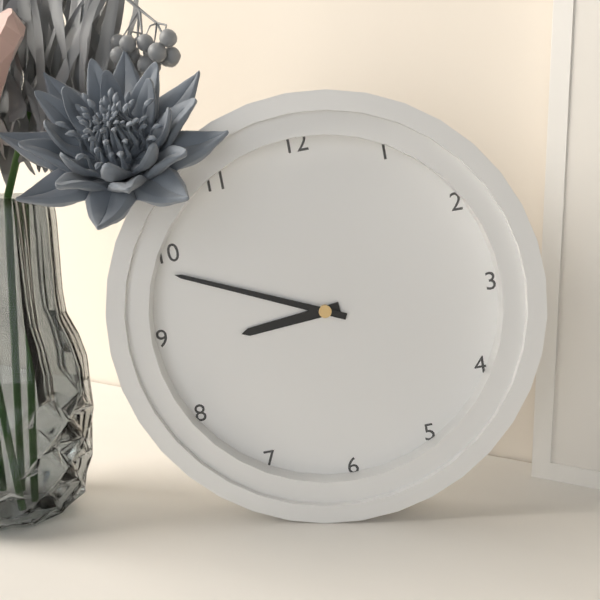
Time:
{"hour": 8, "minute": 49}
